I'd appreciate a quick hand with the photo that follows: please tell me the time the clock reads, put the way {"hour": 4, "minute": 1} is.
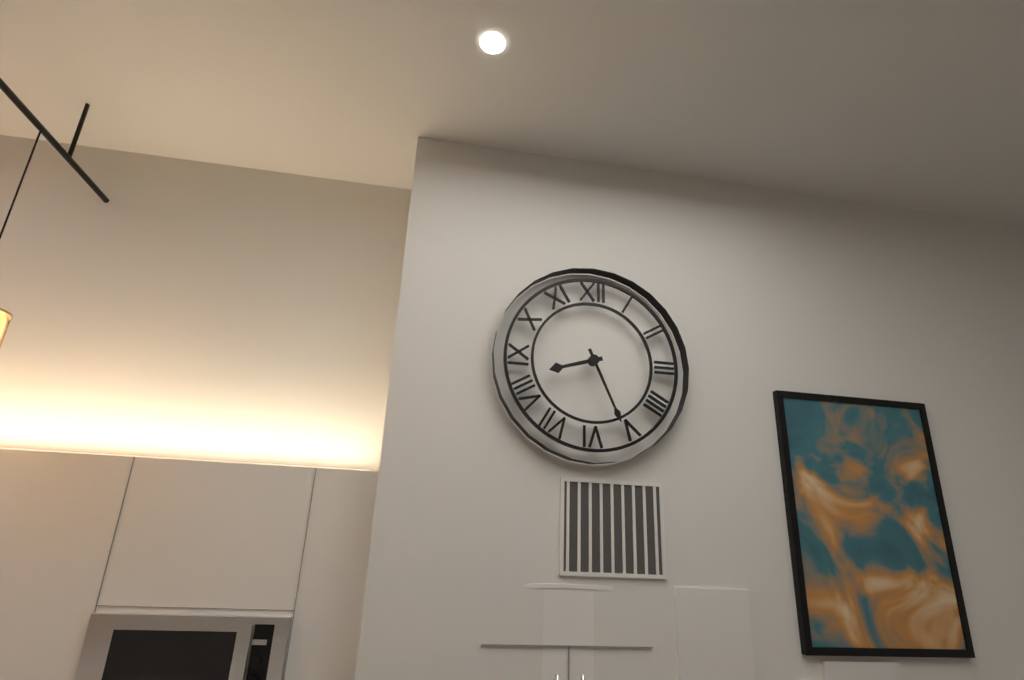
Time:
{"hour": 8, "minute": 26}
